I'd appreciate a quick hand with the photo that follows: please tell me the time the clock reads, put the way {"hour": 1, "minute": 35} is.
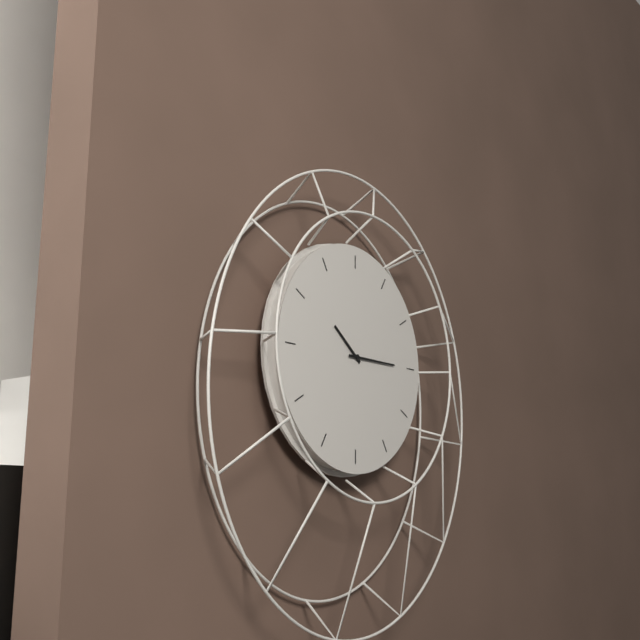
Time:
{"hour": 10, "minute": 15}
